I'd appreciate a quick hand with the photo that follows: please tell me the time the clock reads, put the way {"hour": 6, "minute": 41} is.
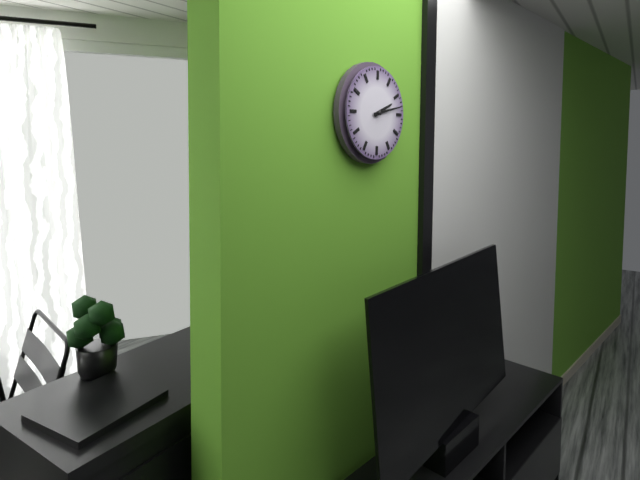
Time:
{"hour": 2, "minute": 13}
